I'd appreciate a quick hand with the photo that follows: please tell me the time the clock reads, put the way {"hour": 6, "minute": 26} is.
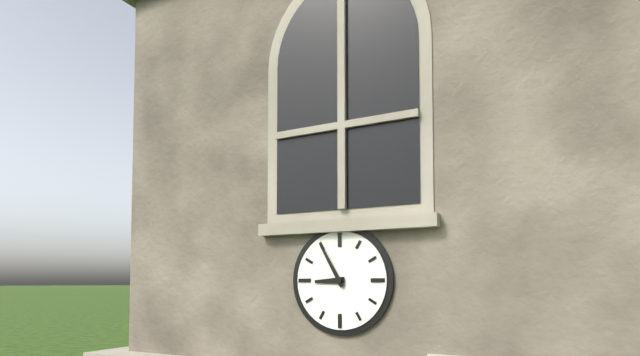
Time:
{"hour": 8, "minute": 55}
